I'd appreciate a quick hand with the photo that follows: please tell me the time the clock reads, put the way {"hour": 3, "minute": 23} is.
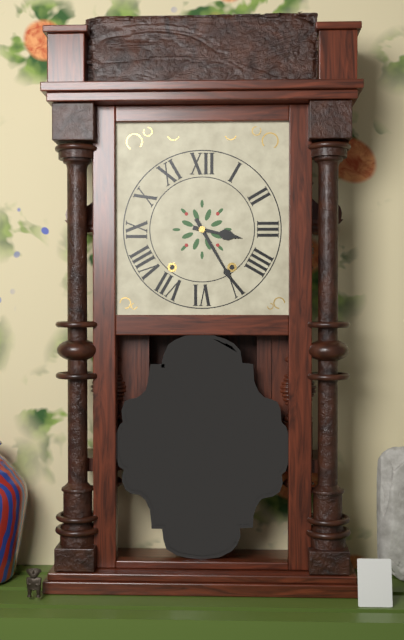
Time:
{"hour": 3, "minute": 25}
